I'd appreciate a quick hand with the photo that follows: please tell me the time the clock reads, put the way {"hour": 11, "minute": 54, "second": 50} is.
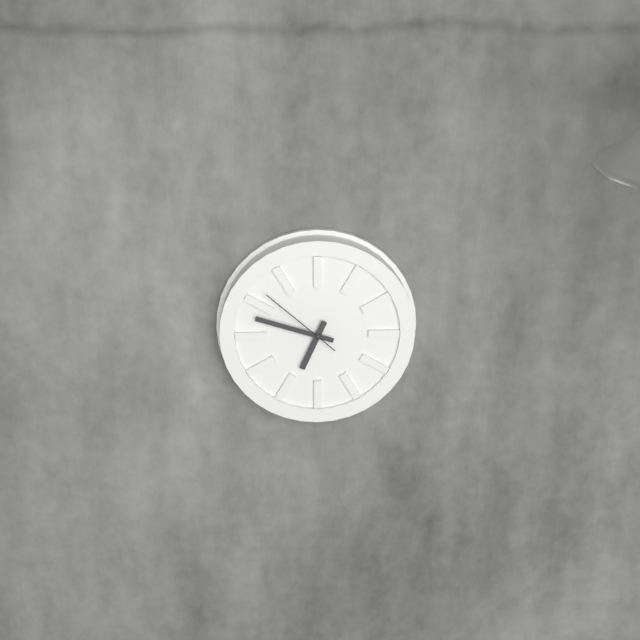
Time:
{"hour": 6, "minute": 48, "second": 52}
